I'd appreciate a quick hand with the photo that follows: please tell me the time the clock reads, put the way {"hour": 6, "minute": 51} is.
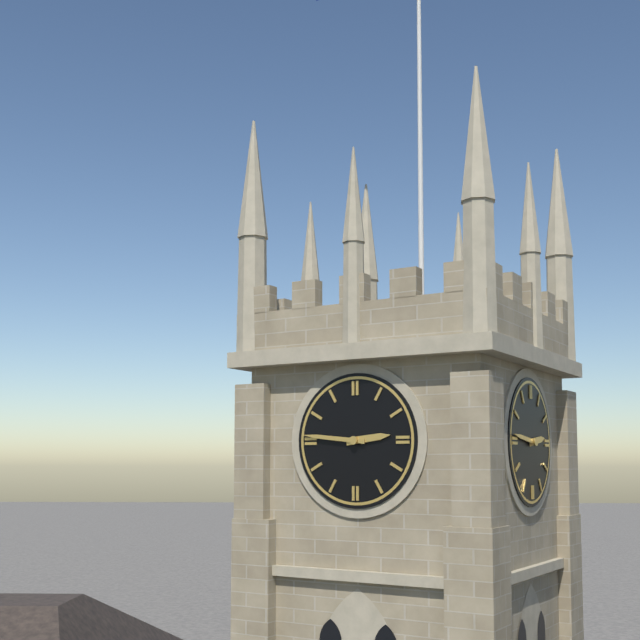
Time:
{"hour": 2, "minute": 46}
